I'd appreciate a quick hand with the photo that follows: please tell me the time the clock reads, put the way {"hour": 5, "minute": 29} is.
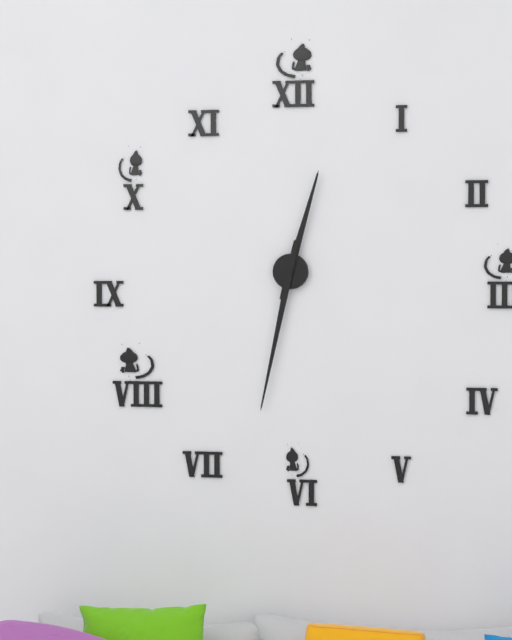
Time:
{"hour": 12, "minute": 32}
